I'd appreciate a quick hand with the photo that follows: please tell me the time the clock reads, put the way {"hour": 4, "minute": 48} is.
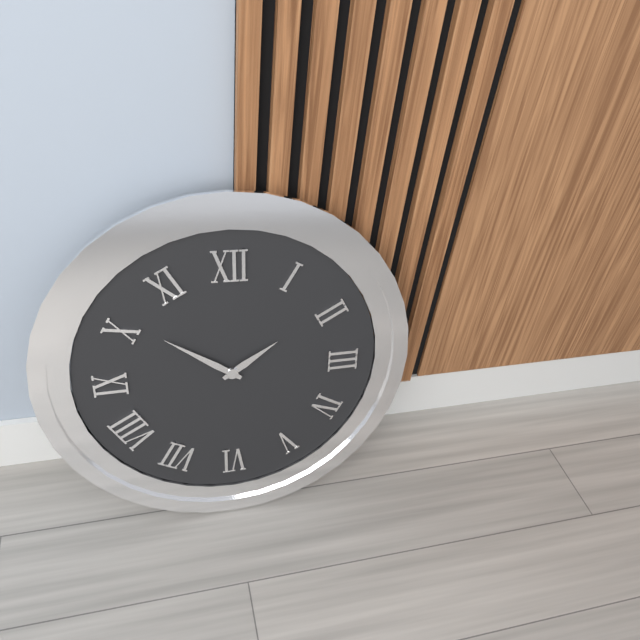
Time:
{"hour": 1, "minute": 51}
